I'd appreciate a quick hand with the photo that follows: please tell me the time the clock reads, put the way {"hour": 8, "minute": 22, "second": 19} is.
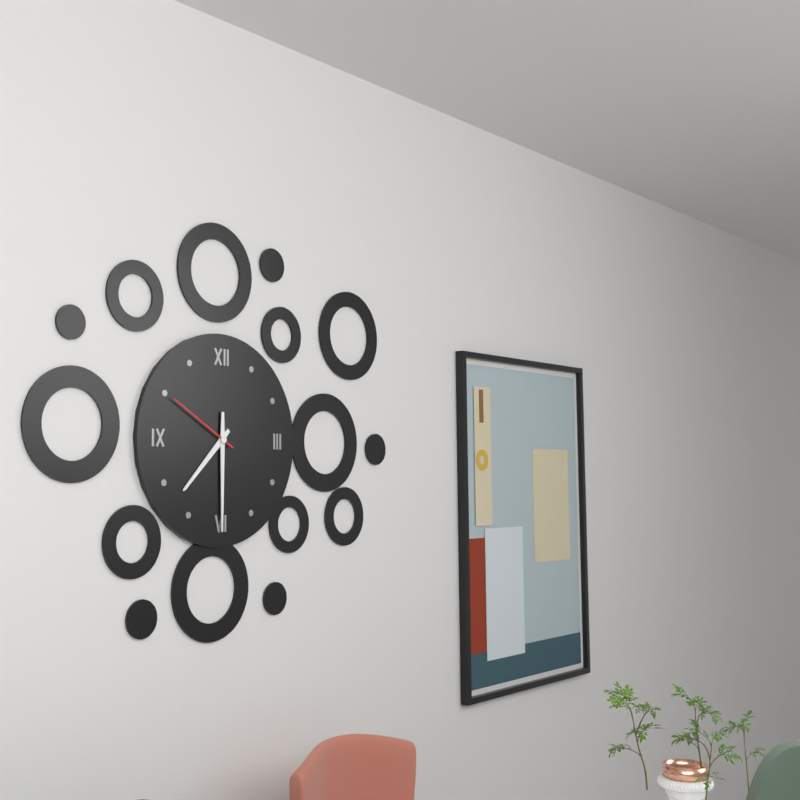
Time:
{"hour": 7, "minute": 30, "second": 50}
